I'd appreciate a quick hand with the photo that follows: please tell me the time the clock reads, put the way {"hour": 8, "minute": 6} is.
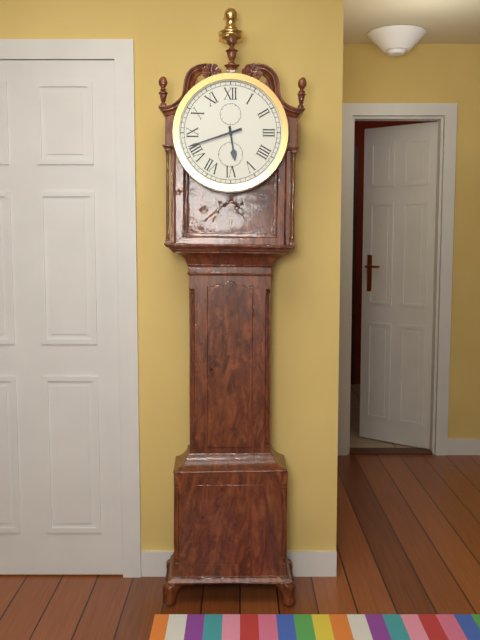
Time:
{"hour": 5, "minute": 42}
